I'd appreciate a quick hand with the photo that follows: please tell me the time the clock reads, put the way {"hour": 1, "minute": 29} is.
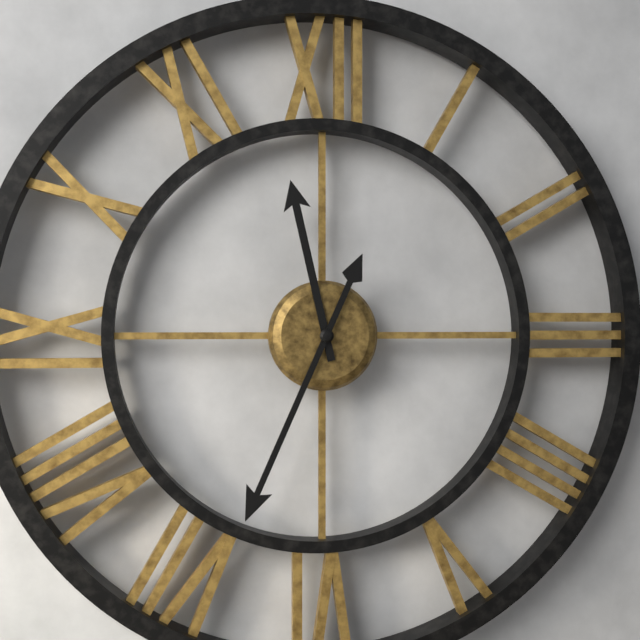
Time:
{"hour": 11, "minute": 34}
